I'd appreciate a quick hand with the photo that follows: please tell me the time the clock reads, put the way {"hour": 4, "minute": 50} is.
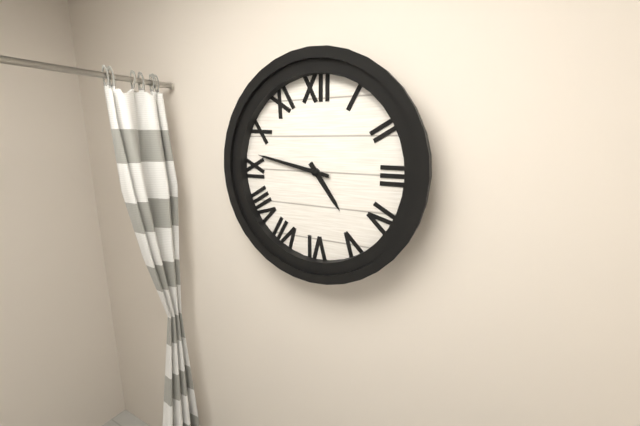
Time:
{"hour": 4, "minute": 47}
